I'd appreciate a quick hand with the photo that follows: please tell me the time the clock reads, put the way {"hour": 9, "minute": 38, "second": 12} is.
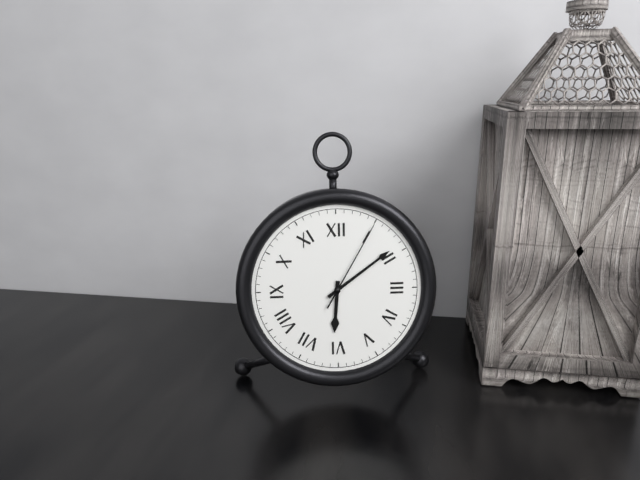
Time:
{"hour": 6, "minute": 9, "second": 5}
